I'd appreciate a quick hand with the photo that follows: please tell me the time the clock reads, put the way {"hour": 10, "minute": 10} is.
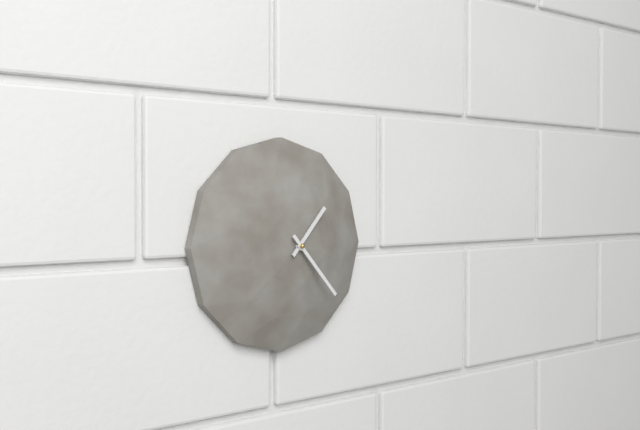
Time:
{"hour": 1, "minute": 23}
